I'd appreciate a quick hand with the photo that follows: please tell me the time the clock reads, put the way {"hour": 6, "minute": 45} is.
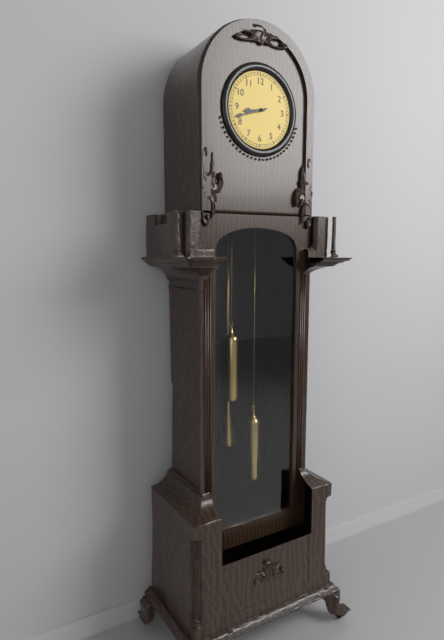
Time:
{"hour": 8, "minute": 42}
